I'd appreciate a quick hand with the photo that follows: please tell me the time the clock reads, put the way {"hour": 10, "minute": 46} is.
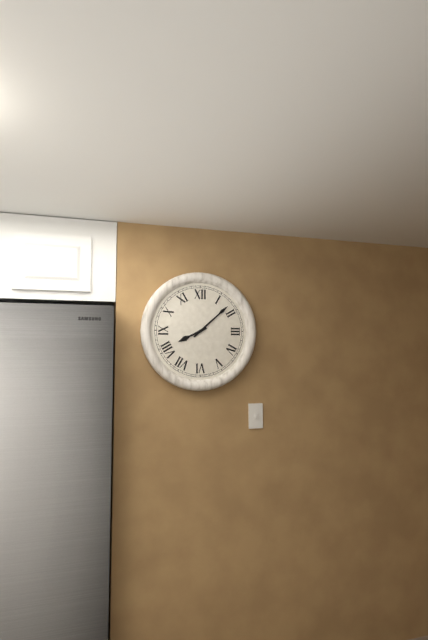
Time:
{"hour": 8, "minute": 8}
